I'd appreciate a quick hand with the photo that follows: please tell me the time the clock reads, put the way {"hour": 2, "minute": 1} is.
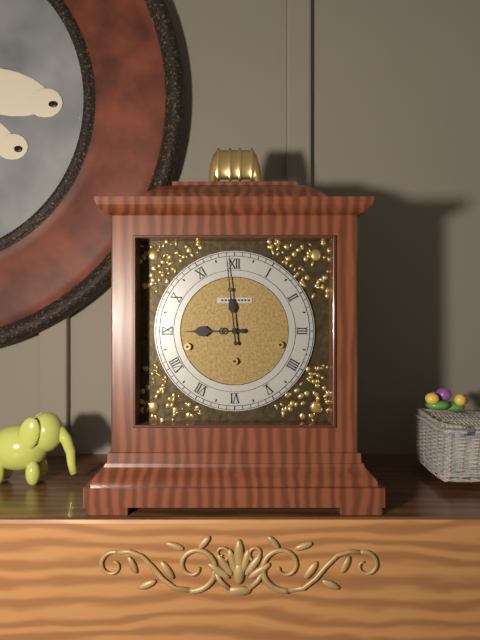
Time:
{"hour": 8, "minute": 59}
